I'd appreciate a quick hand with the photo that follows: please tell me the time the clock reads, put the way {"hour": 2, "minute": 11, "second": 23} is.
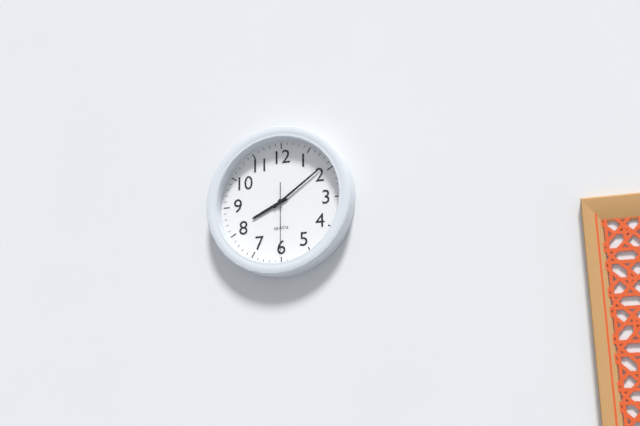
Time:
{"hour": 8, "minute": 9, "second": 30}
